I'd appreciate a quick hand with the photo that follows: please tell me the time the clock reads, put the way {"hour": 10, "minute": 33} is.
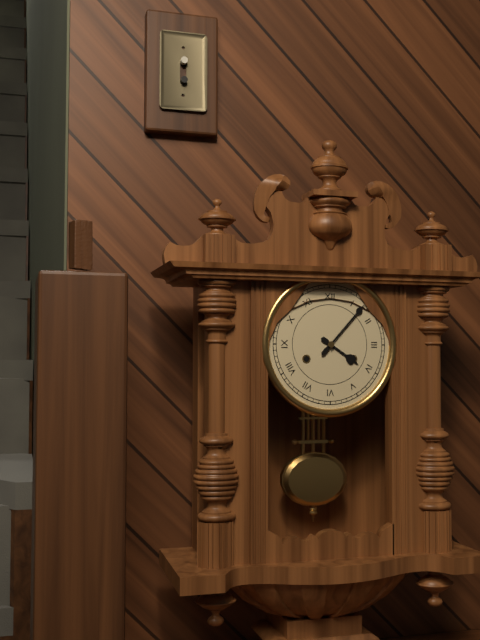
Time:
{"hour": 4, "minute": 7}
